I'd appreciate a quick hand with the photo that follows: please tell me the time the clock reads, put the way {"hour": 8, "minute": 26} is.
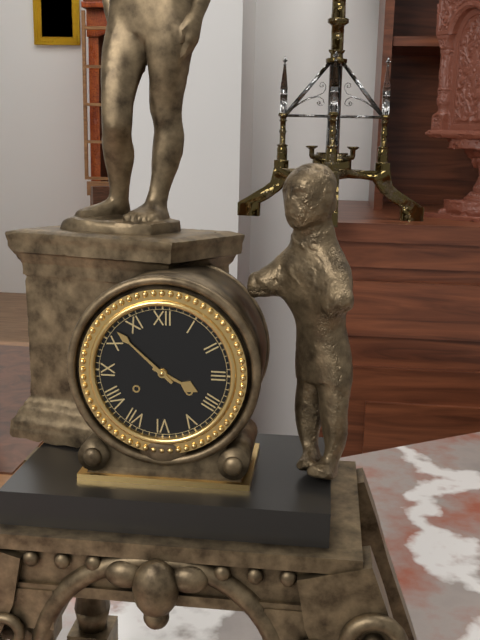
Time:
{"hour": 3, "minute": 52}
